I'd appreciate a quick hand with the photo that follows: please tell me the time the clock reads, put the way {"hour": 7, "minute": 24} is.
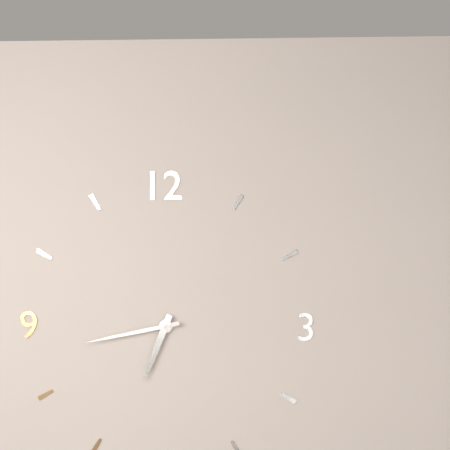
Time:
{"hour": 6, "minute": 43}
